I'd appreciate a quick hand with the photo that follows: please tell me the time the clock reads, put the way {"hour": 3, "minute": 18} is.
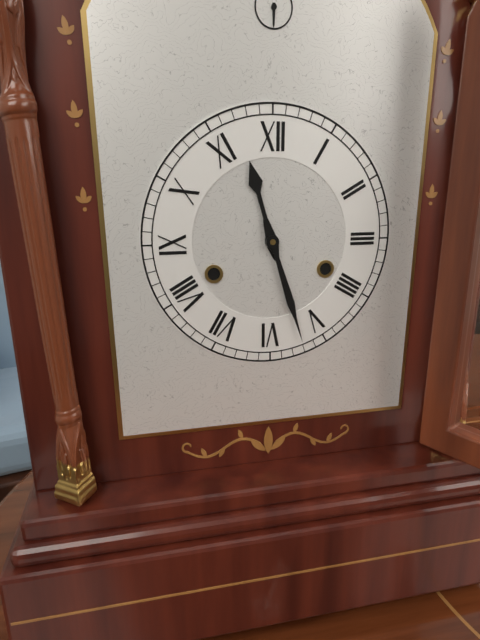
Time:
{"hour": 11, "minute": 27}
